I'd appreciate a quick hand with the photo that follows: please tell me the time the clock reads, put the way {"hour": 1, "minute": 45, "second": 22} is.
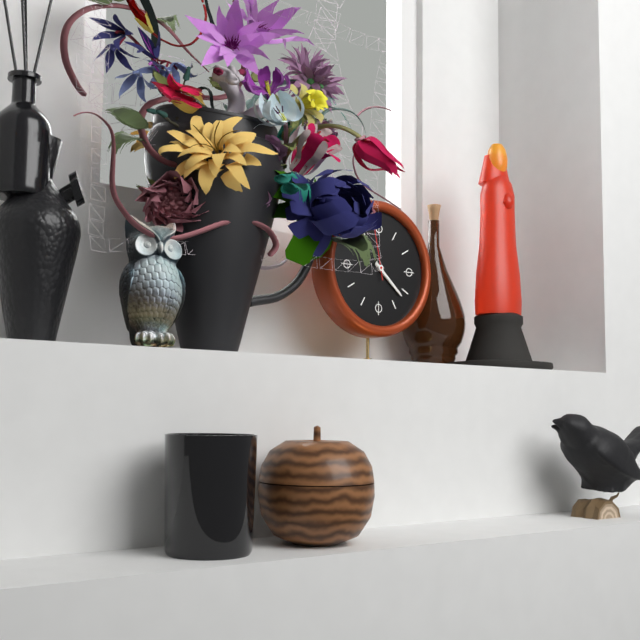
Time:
{"hour": 4, "minute": 22, "second": 58}
